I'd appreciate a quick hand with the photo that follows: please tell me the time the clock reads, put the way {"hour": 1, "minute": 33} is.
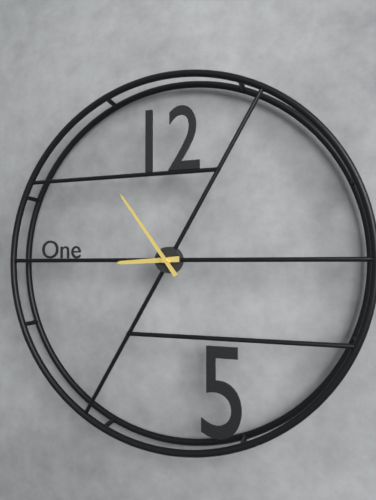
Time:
{"hour": 8, "minute": 54}
